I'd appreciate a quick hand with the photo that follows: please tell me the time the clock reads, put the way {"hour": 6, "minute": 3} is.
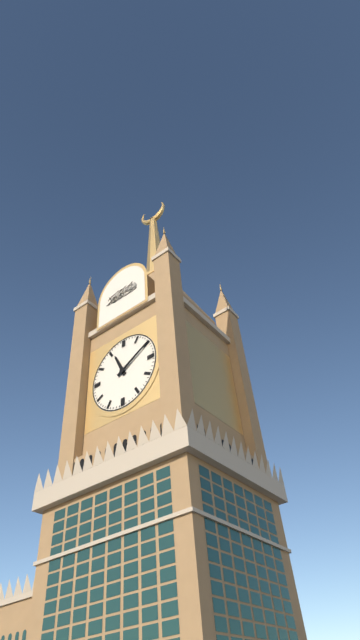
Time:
{"hour": 11, "minute": 10}
